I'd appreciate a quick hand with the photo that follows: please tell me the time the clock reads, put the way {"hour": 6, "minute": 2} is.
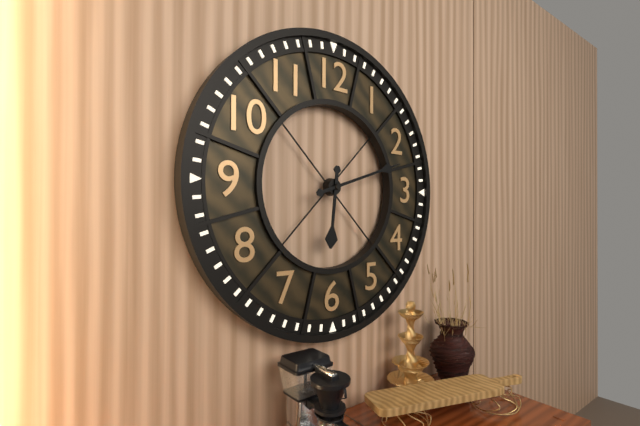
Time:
{"hour": 6, "minute": 12}
